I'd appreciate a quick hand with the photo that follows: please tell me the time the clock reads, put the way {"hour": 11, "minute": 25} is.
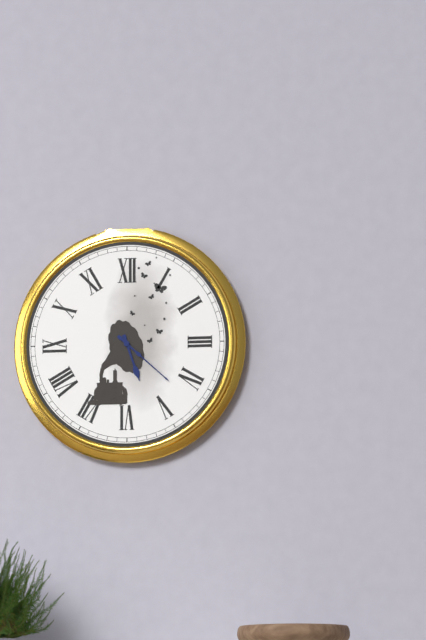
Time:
{"hour": 5, "minute": 22}
